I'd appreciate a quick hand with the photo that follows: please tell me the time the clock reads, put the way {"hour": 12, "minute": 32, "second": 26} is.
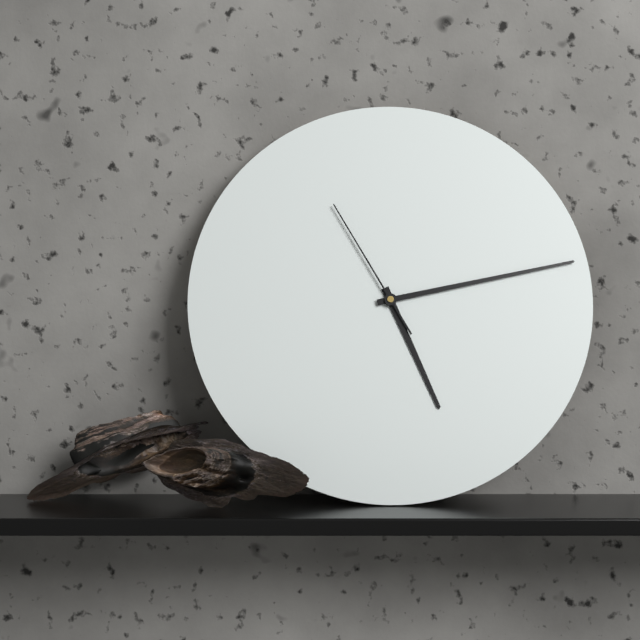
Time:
{"hour": 5, "minute": 13, "second": 55}
